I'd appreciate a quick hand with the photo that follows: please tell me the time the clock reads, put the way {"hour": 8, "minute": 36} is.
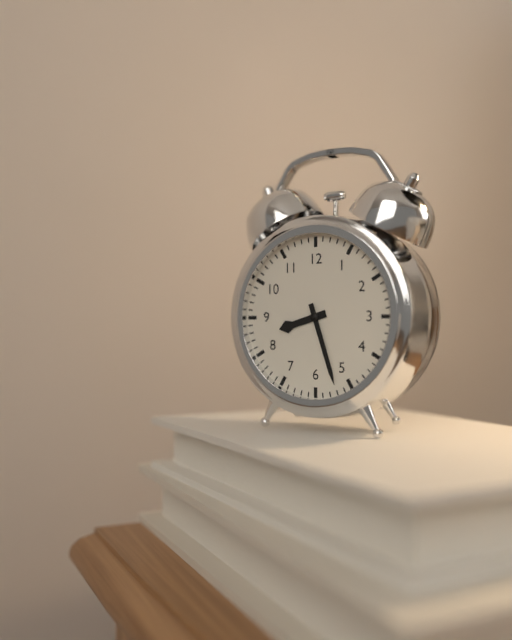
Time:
{"hour": 8, "minute": 27}
